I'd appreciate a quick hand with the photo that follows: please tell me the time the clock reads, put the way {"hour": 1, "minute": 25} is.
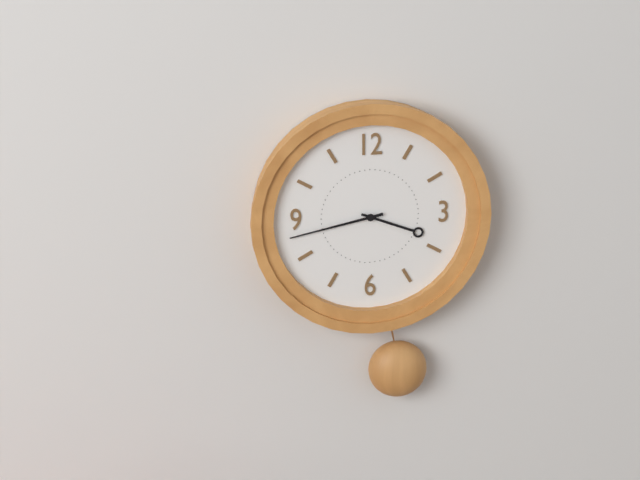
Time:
{"hour": 3, "minute": 43}
